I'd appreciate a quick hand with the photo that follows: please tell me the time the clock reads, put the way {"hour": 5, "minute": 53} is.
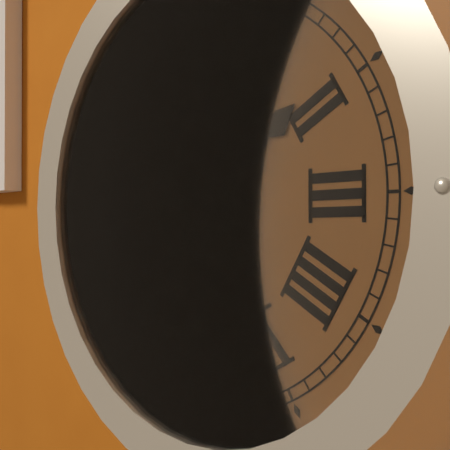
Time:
{"hour": 1, "minute": 46}
